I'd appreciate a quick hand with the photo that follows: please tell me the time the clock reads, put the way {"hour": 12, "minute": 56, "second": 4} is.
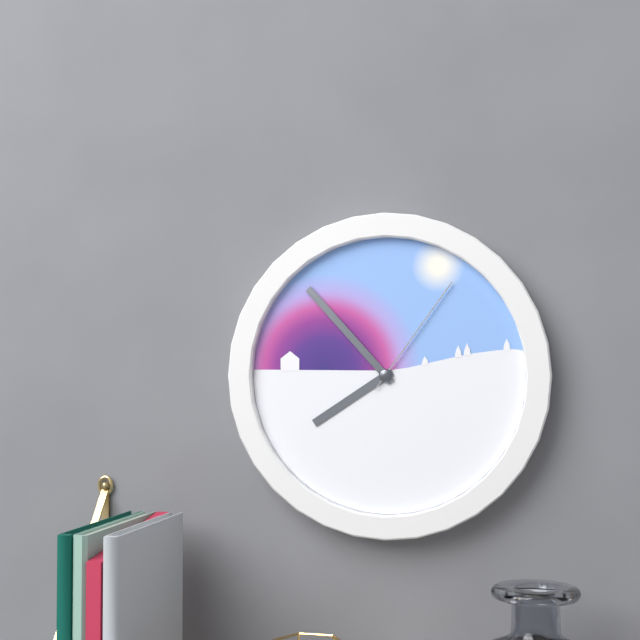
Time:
{"hour": 7, "minute": 53, "second": 6}
